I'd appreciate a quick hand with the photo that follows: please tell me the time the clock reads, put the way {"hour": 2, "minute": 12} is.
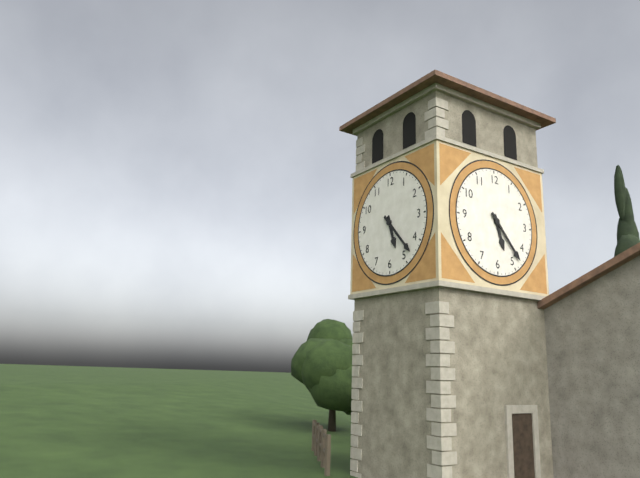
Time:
{"hour": 5, "minute": 23}
